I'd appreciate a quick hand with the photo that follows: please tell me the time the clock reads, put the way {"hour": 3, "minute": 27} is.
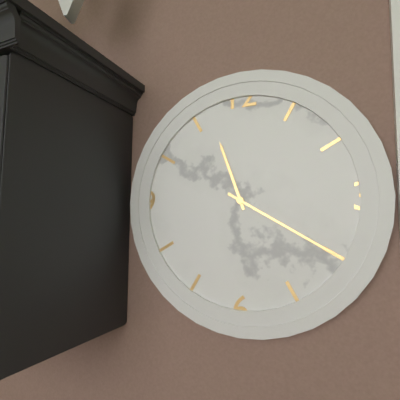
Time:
{"hour": 11, "minute": 20}
